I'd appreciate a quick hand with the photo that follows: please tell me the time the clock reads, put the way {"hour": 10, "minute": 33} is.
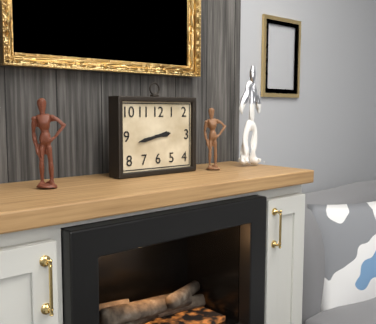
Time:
{"hour": 2, "minute": 43}
